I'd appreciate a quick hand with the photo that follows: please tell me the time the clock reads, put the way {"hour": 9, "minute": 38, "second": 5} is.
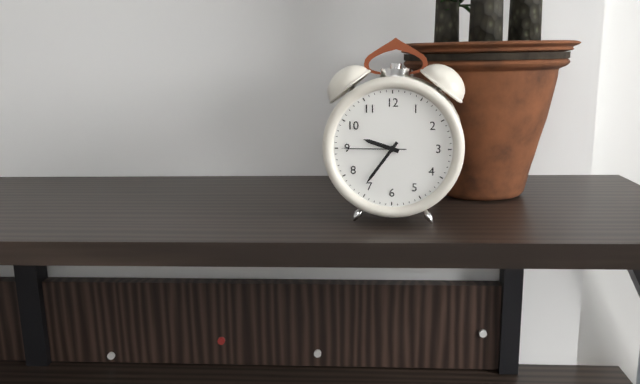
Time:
{"hour": 9, "minute": 36, "second": 45}
